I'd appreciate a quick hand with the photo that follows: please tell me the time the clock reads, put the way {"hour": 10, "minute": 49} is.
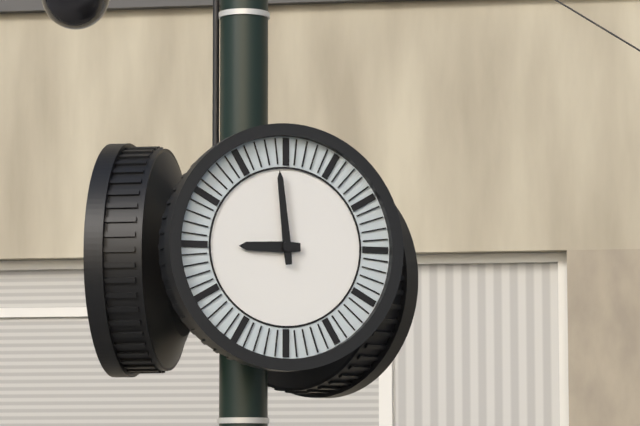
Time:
{"hour": 8, "minute": 59}
